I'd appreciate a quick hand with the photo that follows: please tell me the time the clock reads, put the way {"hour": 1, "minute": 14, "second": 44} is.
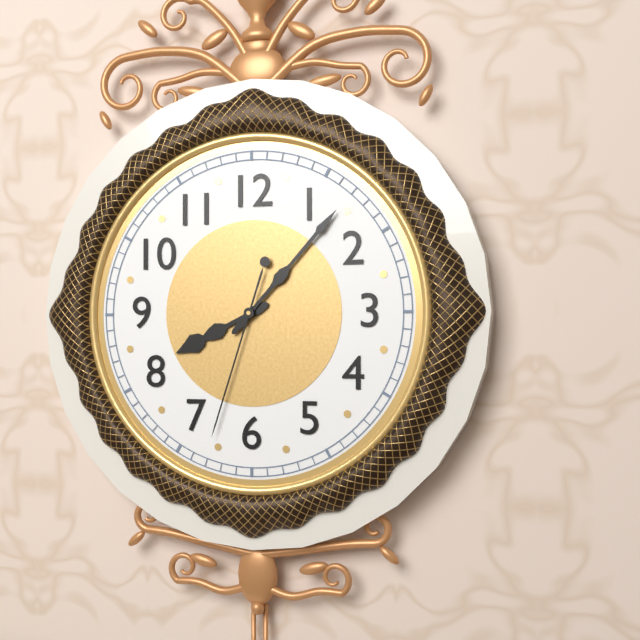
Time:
{"hour": 8, "minute": 7, "second": 33}
